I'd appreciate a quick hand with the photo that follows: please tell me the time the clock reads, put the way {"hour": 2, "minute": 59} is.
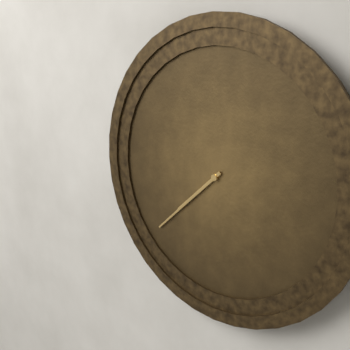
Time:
{"hour": 7, "minute": 38}
